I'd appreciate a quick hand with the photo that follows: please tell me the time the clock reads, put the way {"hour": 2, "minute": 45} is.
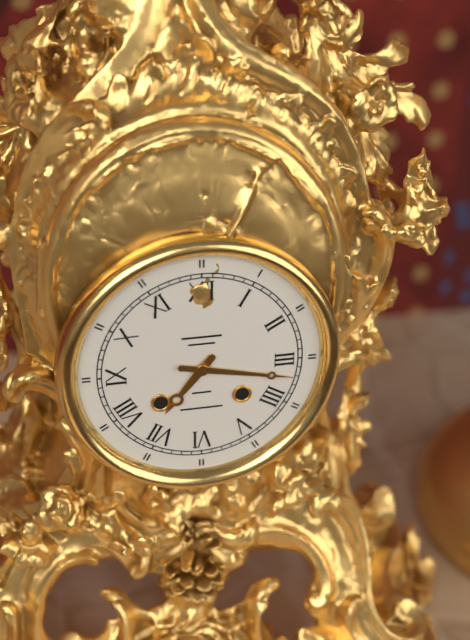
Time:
{"hour": 7, "minute": 17}
